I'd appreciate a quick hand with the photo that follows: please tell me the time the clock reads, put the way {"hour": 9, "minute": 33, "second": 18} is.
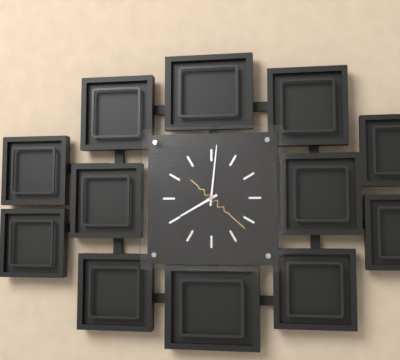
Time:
{"hour": 8, "minute": 1, "second": 22}
